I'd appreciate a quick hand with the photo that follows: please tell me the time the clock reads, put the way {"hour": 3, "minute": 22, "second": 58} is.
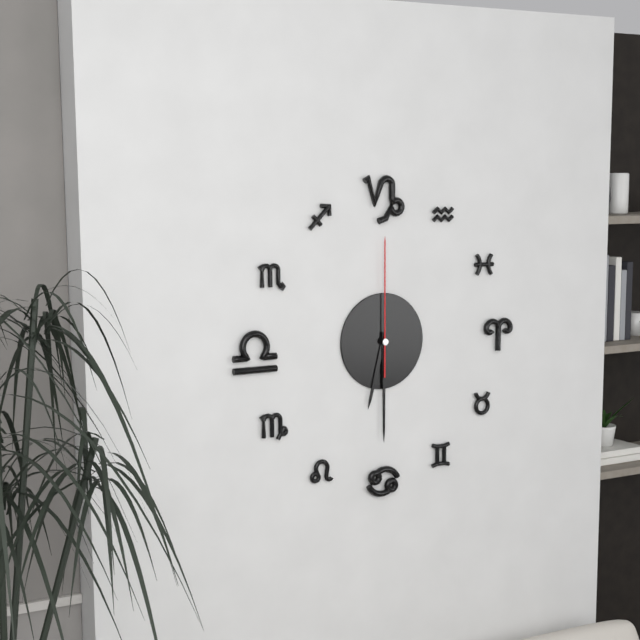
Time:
{"hour": 6, "minute": 30, "second": 0}
